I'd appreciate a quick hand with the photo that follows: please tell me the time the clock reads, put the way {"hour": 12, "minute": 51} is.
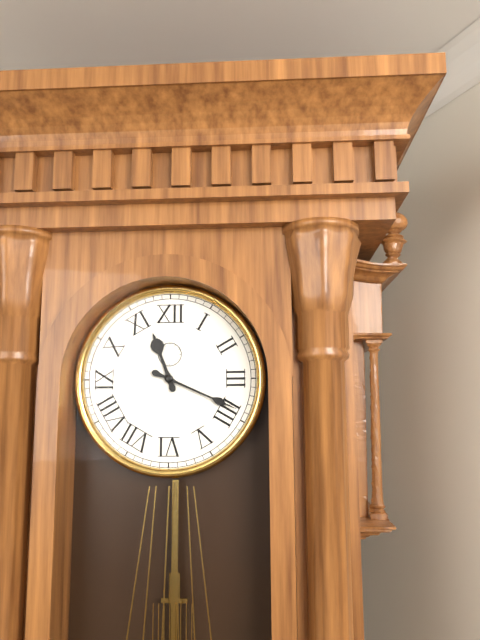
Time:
{"hour": 11, "minute": 19}
